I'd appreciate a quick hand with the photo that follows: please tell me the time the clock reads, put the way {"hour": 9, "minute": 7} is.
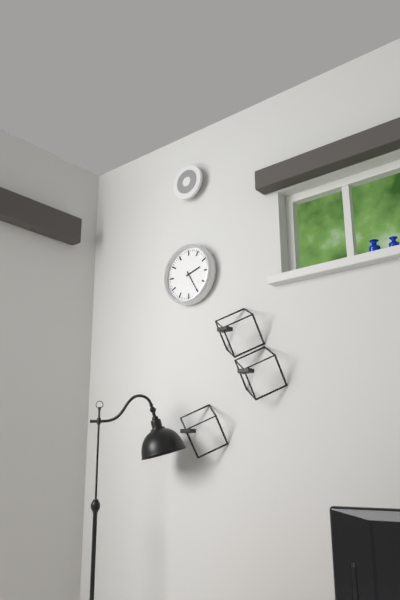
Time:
{"hour": 2, "minute": 25}
